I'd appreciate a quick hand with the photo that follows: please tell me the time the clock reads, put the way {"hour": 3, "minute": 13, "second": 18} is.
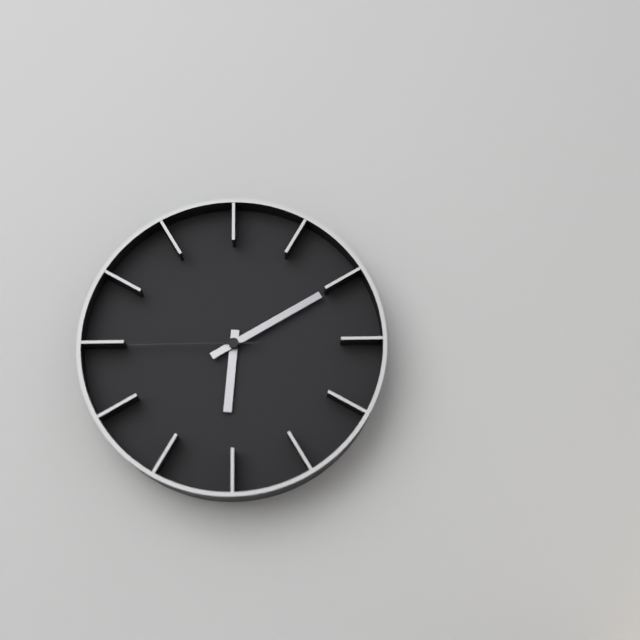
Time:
{"hour": 6, "minute": 10, "second": 45}
